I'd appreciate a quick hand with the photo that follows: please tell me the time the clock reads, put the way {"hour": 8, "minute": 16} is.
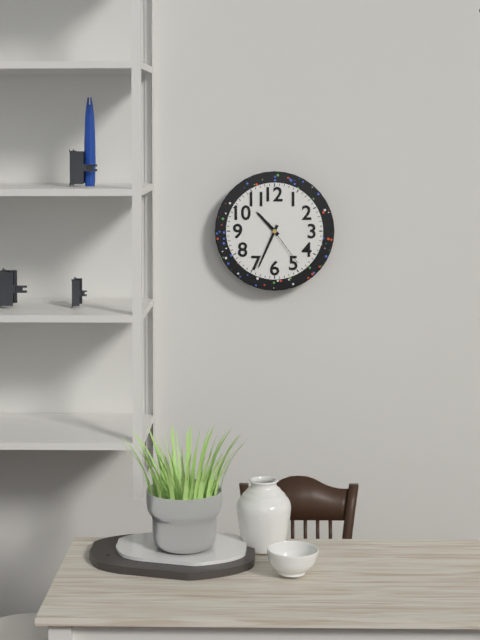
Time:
{"hour": 10, "minute": 34}
